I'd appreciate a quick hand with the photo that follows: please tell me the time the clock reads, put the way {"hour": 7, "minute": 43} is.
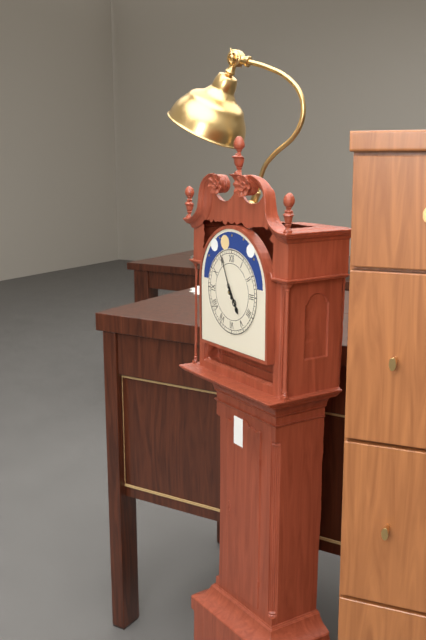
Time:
{"hour": 4, "minute": 56}
